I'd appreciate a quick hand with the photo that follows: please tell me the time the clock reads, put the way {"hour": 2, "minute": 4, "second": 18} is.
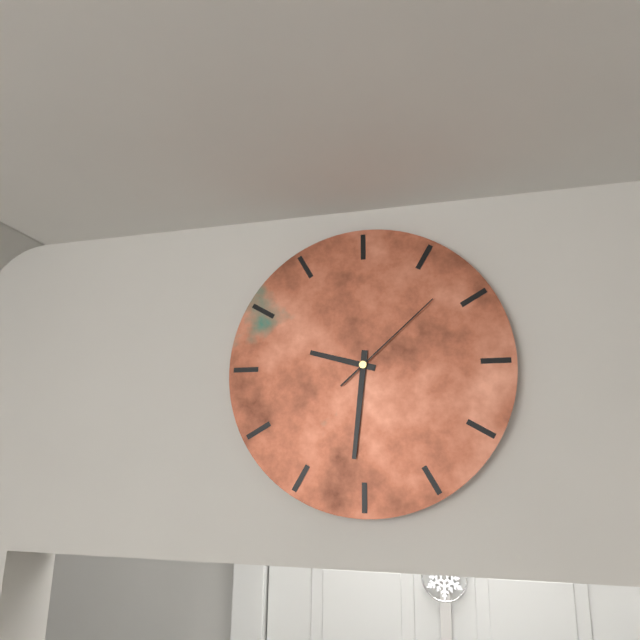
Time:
{"hour": 9, "minute": 31, "second": 8}
